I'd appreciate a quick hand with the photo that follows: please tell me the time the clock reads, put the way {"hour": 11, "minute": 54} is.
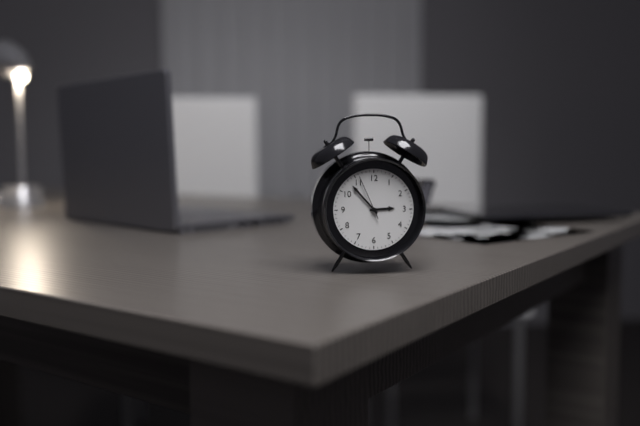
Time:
{"hour": 2, "minute": 53}
